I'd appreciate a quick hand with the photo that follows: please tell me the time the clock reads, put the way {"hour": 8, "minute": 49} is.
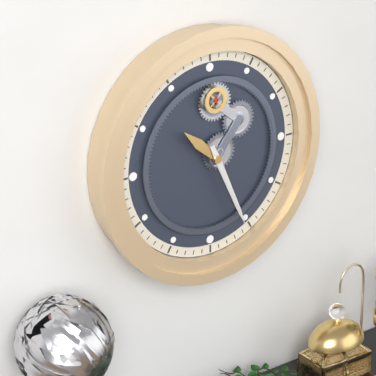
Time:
{"hour": 10, "minute": 26}
